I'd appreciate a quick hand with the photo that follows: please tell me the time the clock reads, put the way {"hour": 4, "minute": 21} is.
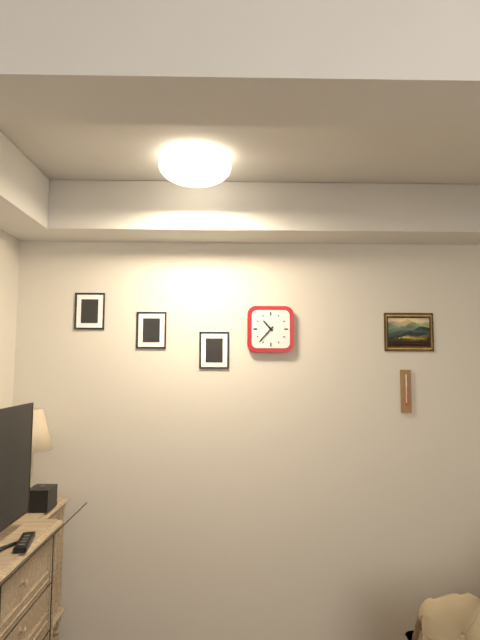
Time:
{"hour": 10, "minute": 37}
